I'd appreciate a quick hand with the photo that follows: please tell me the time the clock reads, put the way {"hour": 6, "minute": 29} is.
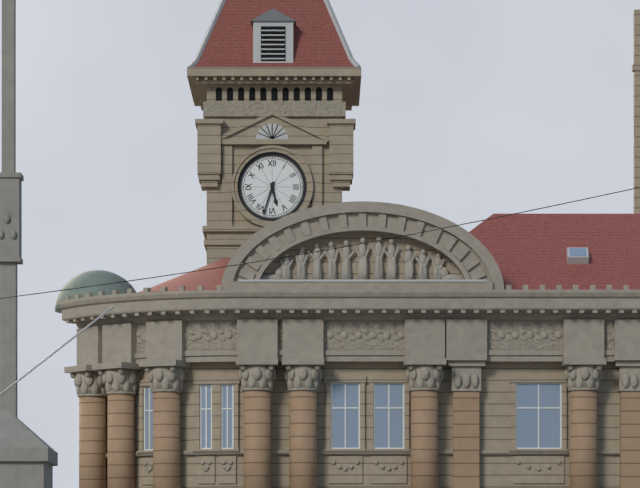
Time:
{"hour": 5, "minute": 33}
